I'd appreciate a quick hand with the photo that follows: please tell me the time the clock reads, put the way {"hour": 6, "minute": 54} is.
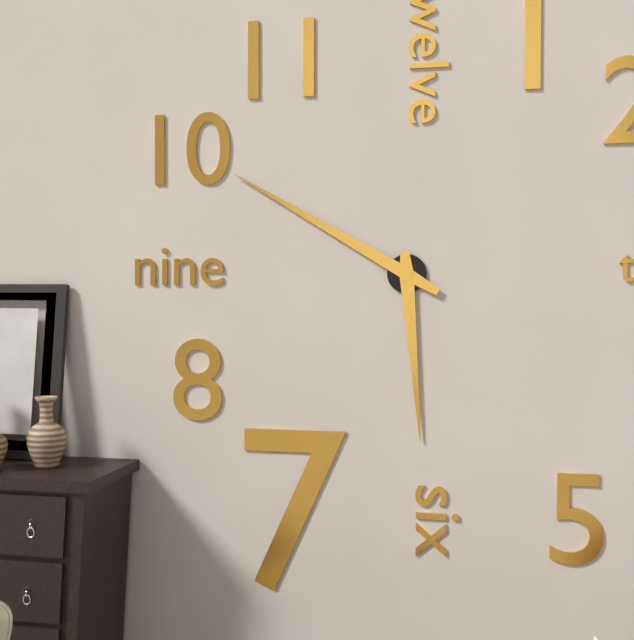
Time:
{"hour": 5, "minute": 50}
